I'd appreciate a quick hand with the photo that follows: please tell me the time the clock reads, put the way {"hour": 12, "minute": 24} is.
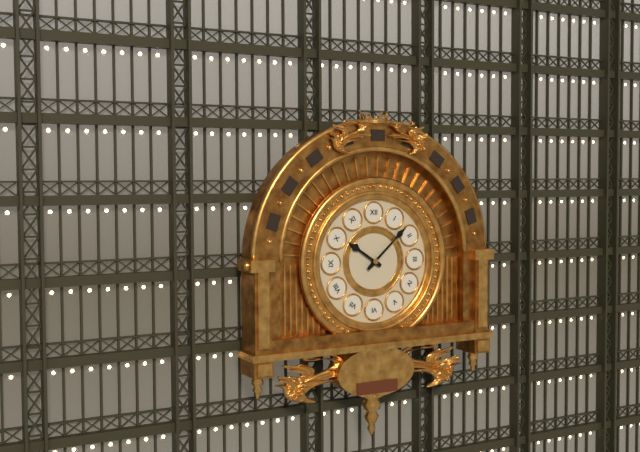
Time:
{"hour": 10, "minute": 8}
